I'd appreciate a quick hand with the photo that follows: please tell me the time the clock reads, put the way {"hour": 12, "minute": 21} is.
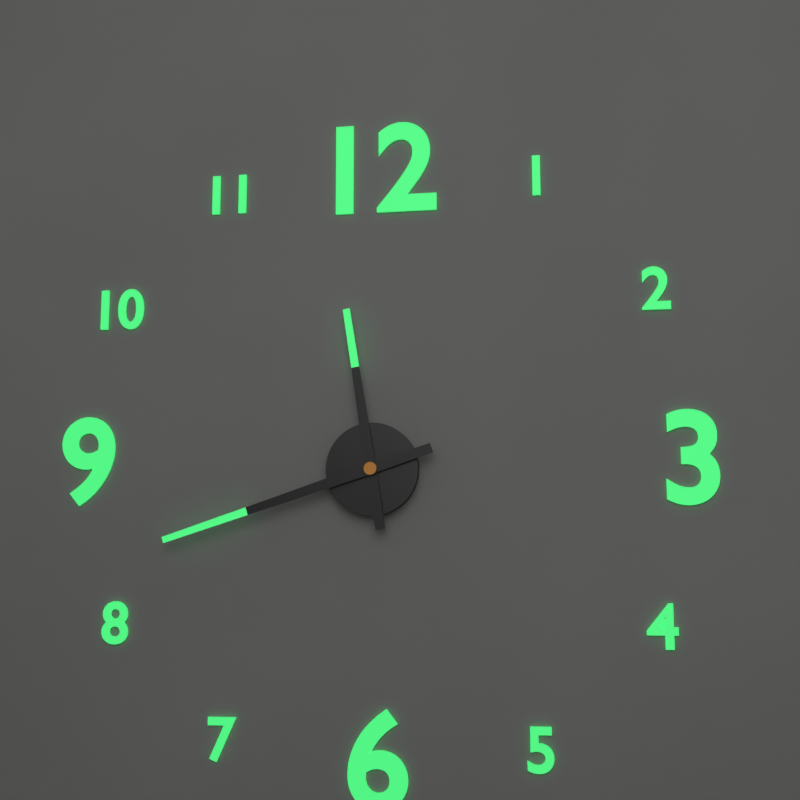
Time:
{"hour": 11, "minute": 42}
